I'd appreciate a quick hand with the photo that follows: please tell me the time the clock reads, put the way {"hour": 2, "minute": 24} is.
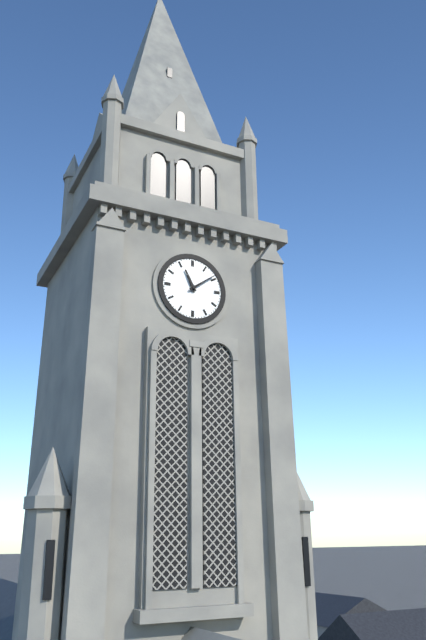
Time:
{"hour": 11, "minute": 9}
